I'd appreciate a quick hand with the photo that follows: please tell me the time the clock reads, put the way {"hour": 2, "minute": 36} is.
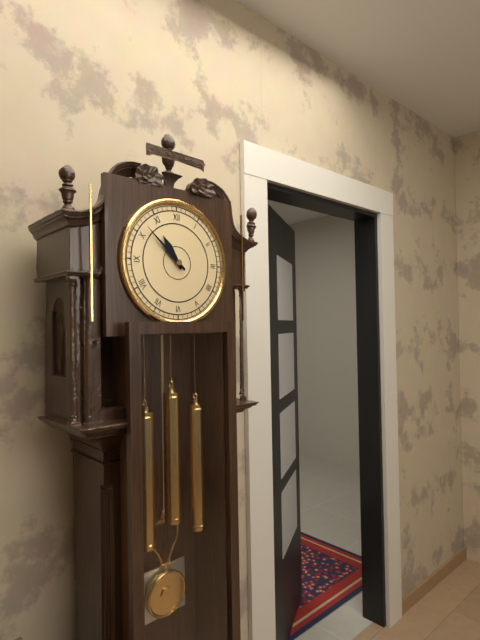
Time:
{"hour": 10, "minute": 52}
